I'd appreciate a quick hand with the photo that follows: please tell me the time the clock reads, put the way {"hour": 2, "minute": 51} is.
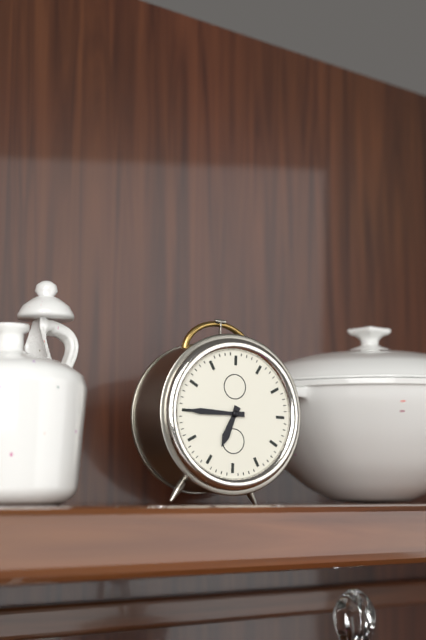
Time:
{"hour": 6, "minute": 45}
